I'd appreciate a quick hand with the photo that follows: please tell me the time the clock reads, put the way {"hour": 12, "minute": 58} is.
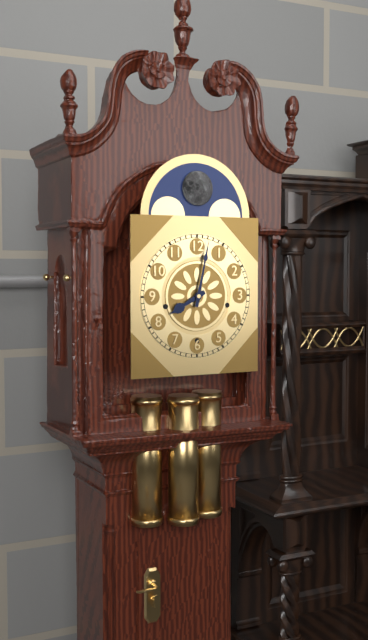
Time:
{"hour": 8, "minute": 2}
